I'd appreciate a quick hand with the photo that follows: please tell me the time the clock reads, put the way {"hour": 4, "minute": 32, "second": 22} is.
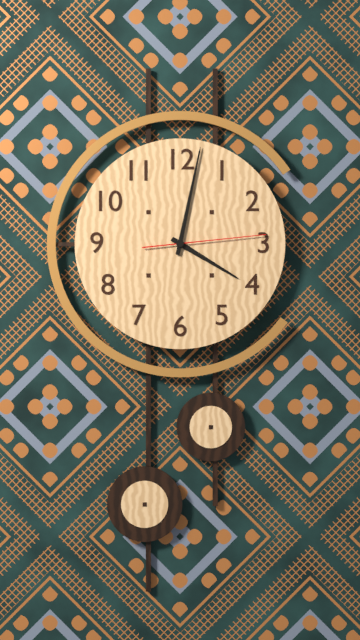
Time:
{"hour": 4, "minute": 2, "second": 14}
